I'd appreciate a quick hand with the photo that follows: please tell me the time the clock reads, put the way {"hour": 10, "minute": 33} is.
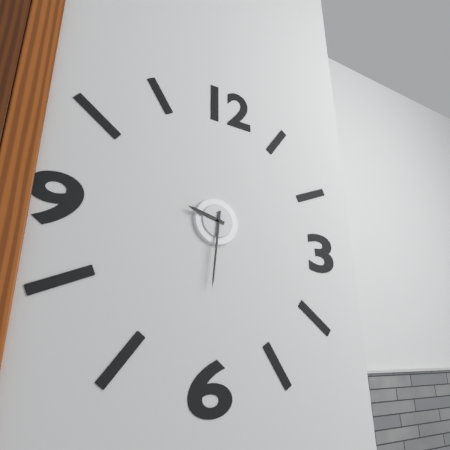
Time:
{"hour": 9, "minute": 31}
